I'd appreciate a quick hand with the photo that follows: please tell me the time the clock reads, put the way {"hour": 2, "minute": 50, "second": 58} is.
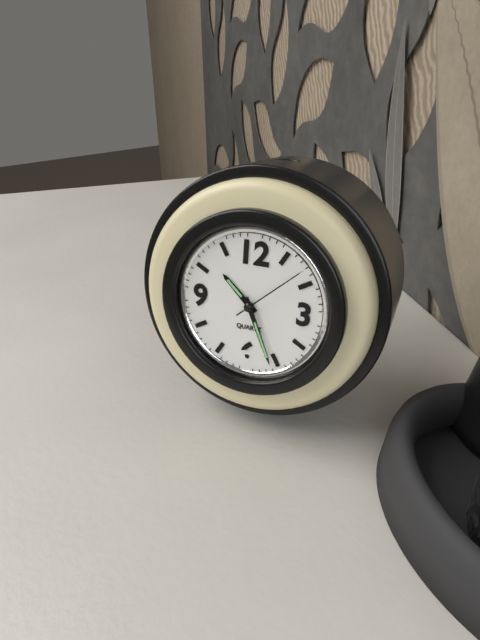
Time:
{"hour": 10, "minute": 26, "second": 8}
